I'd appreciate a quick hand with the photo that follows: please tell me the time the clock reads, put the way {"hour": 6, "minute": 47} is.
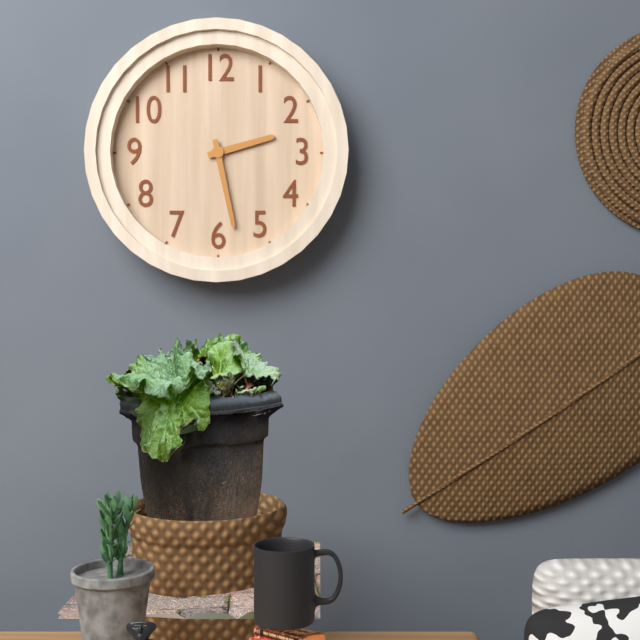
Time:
{"hour": 2, "minute": 28}
